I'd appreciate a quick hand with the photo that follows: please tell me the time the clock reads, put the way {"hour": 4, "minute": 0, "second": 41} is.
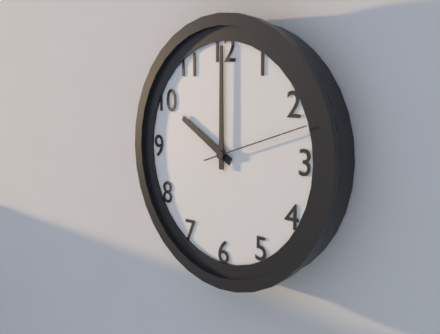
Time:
{"hour": 10, "minute": 0, "second": 12}
